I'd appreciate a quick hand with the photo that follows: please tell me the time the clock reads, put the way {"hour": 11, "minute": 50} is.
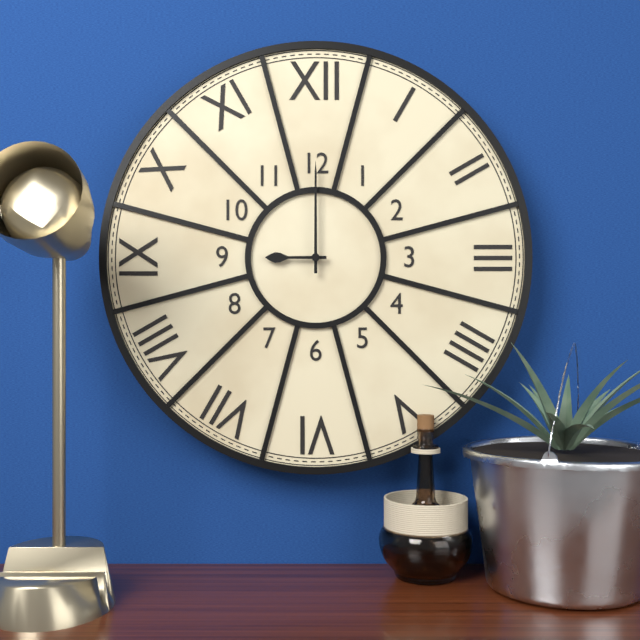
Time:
{"hour": 9, "minute": 0}
